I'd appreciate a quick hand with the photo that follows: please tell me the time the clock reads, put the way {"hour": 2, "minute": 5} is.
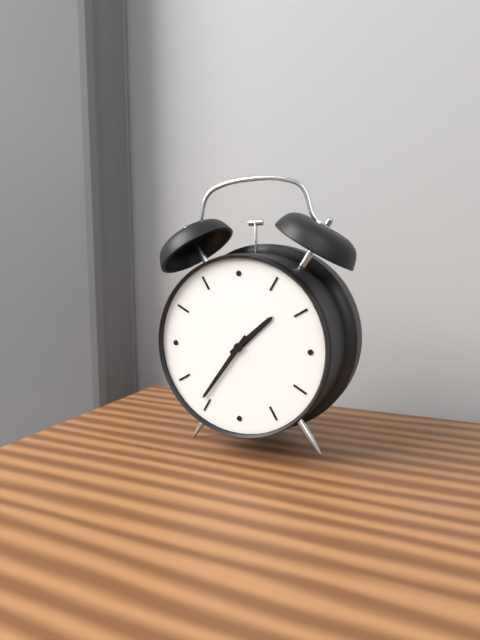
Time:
{"hour": 1, "minute": 36}
